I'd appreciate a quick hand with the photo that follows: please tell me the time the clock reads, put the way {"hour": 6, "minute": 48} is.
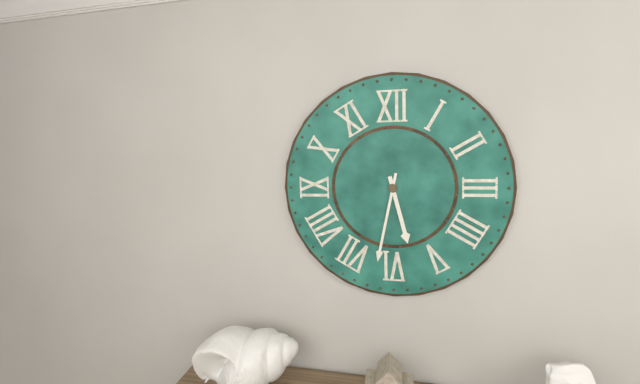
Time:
{"hour": 5, "minute": 32}
